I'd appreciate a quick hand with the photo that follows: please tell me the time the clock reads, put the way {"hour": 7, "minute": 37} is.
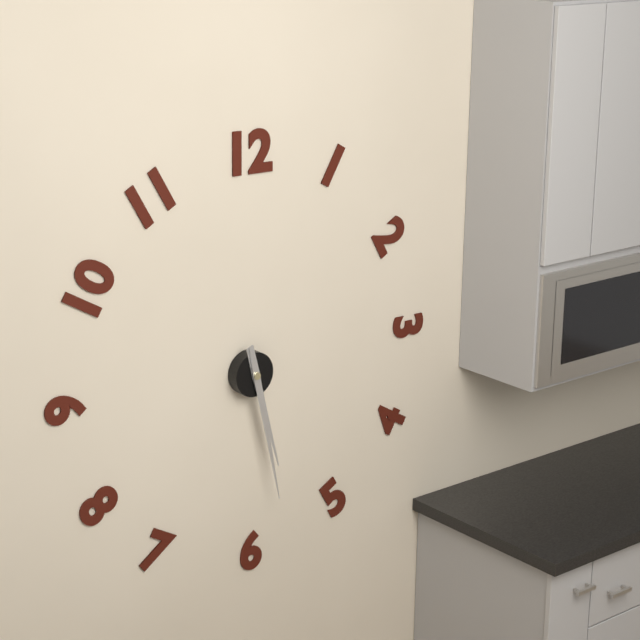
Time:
{"hour": 5, "minute": 28}
